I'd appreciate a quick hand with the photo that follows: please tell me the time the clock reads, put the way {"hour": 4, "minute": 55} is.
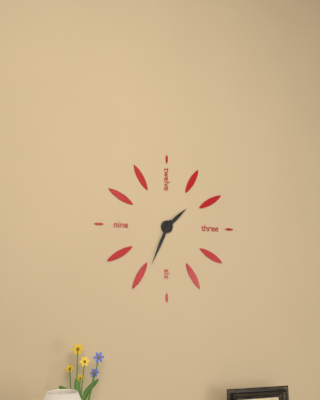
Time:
{"hour": 1, "minute": 34}
